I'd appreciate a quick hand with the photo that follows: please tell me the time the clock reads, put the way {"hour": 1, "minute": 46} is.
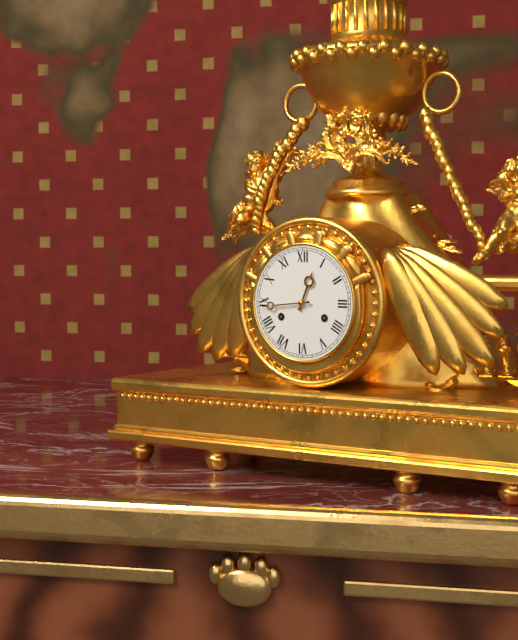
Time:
{"hour": 12, "minute": 44}
